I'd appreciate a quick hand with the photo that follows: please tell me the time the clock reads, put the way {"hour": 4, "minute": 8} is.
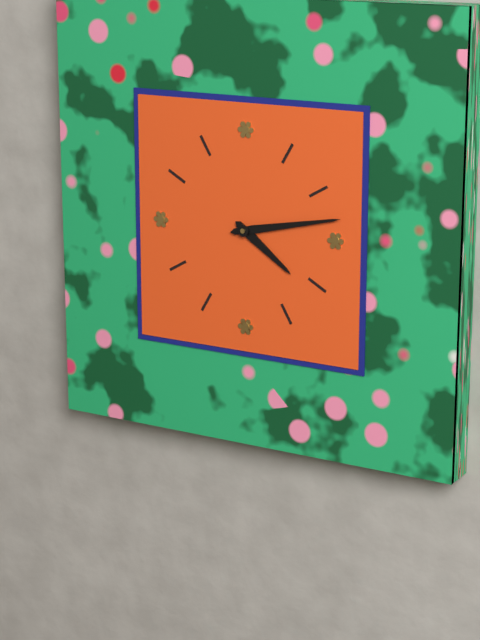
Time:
{"hour": 4, "minute": 13}
